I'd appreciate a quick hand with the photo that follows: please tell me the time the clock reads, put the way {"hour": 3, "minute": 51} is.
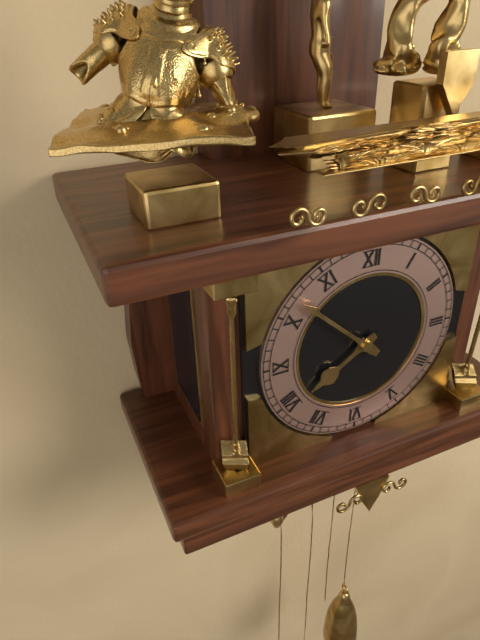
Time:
{"hour": 7, "minute": 52}
